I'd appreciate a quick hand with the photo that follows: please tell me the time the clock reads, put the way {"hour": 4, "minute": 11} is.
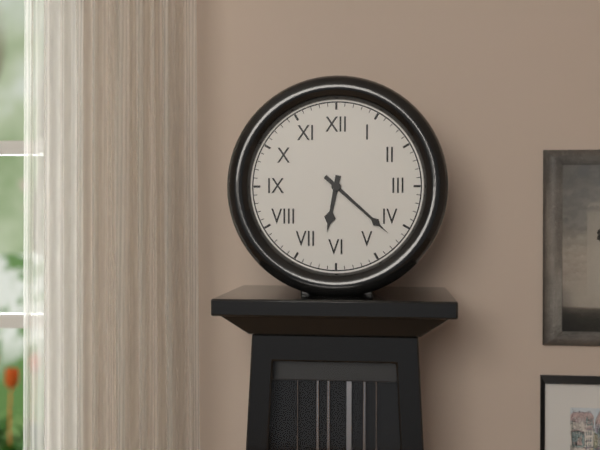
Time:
{"hour": 6, "minute": 22}
